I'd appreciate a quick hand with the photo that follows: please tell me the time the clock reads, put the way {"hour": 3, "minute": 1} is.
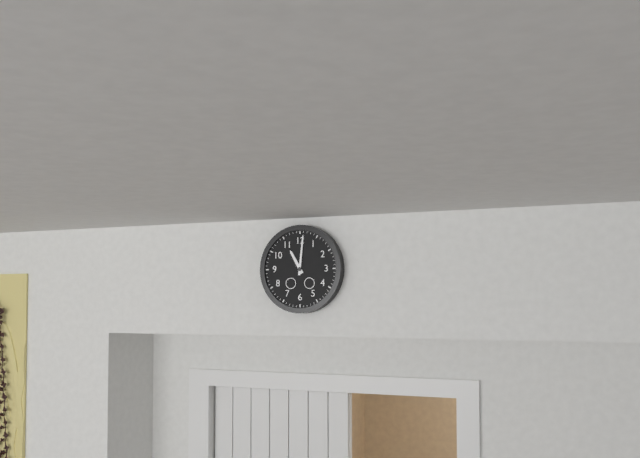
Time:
{"hour": 11, "minute": 1}
